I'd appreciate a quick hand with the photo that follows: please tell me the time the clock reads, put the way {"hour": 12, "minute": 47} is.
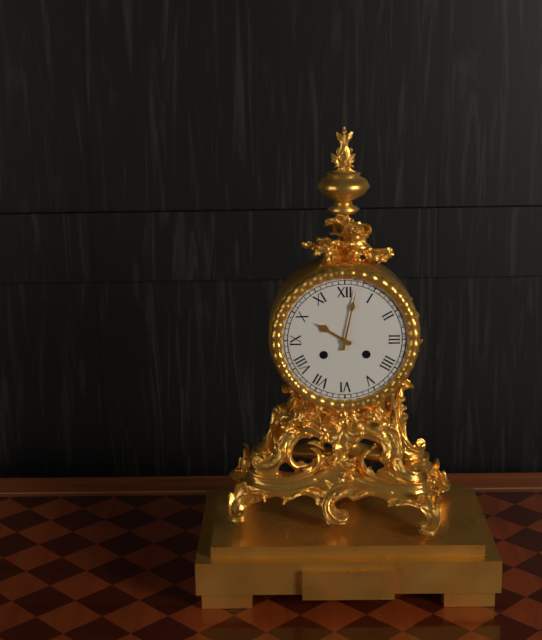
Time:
{"hour": 10, "minute": 2}
